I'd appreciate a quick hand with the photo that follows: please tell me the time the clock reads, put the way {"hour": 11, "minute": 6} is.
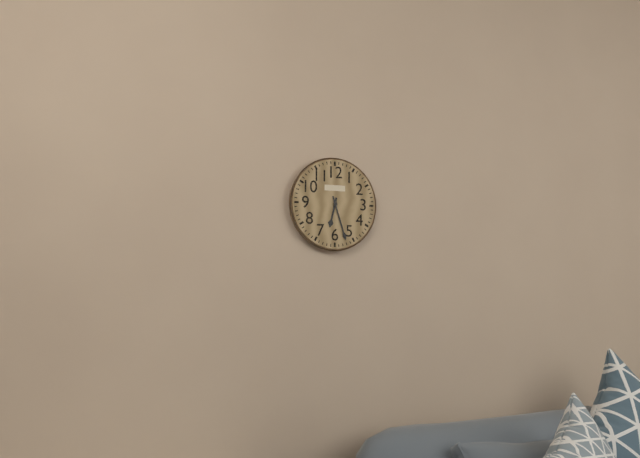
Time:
{"hour": 6, "minute": 27}
